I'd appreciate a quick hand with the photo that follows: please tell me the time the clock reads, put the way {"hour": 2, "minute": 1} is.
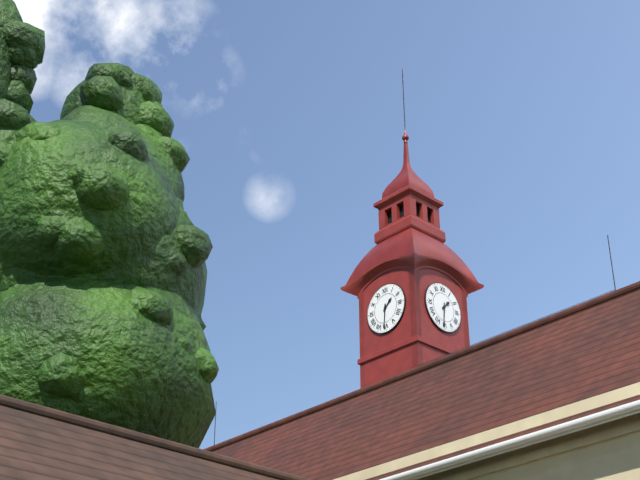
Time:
{"hour": 1, "minute": 31}
